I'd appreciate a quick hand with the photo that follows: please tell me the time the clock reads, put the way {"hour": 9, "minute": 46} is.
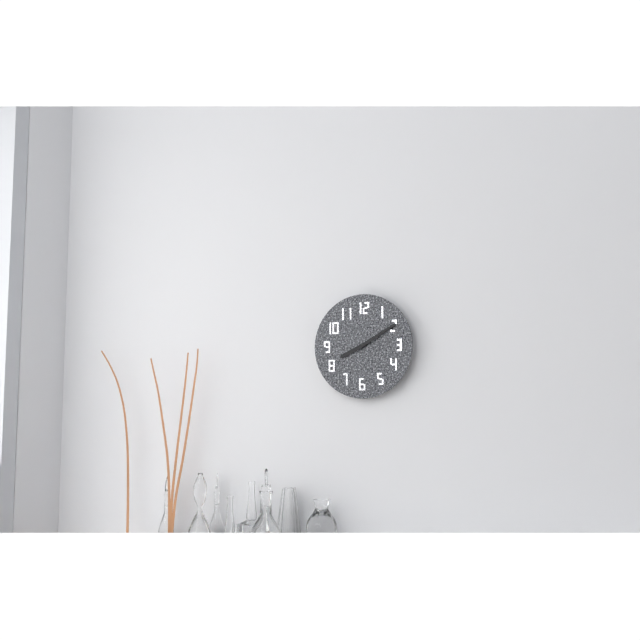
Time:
{"hour": 8, "minute": 10}
